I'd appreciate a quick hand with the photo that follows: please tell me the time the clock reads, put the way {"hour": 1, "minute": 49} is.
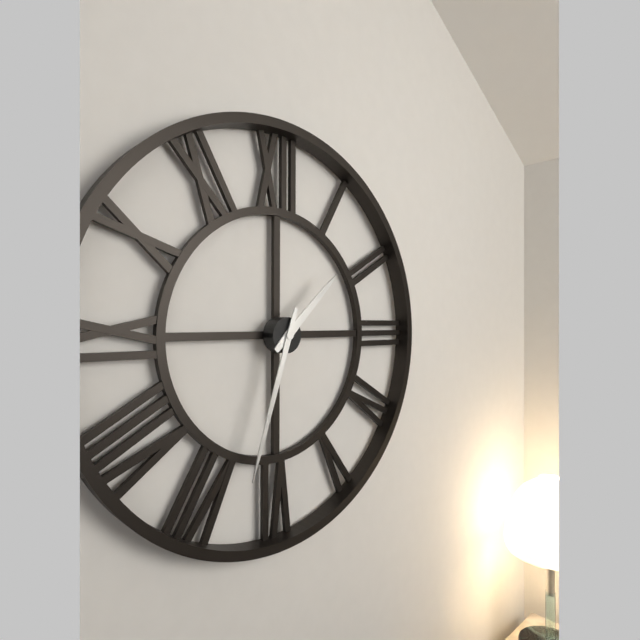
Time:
{"hour": 1, "minute": 33}
